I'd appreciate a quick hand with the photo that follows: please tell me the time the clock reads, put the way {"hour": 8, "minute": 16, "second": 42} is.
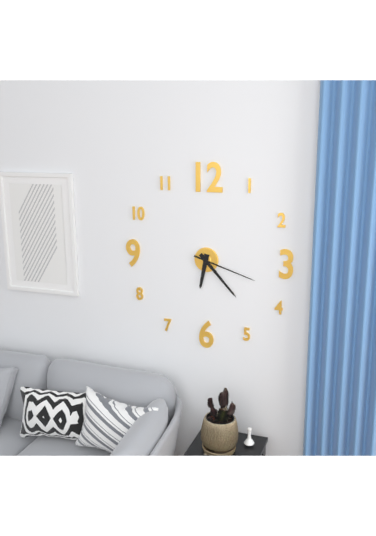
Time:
{"hour": 6, "minute": 23, "second": 18}
